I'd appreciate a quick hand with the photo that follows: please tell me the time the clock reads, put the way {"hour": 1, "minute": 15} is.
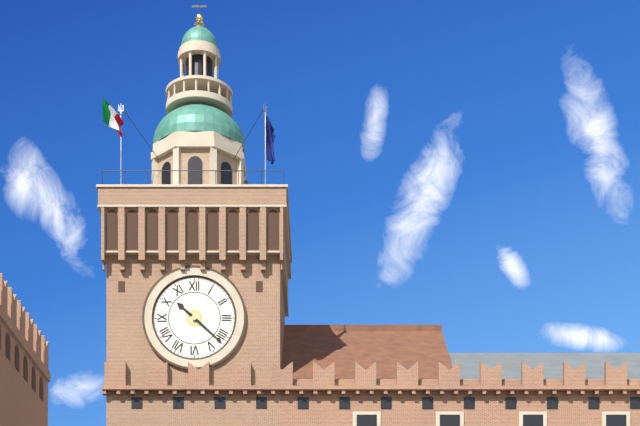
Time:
{"hour": 10, "minute": 22}
